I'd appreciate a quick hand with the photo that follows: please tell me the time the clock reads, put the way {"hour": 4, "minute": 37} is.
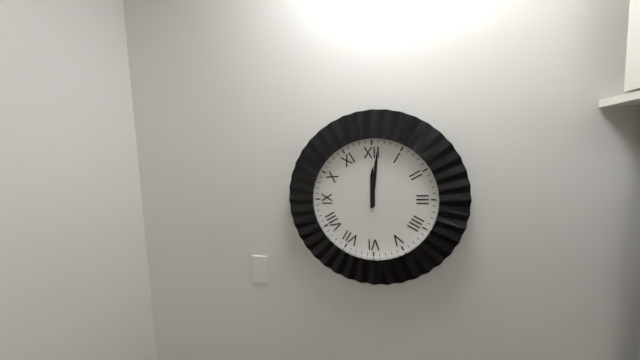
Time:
{"hour": 12, "minute": 1}
